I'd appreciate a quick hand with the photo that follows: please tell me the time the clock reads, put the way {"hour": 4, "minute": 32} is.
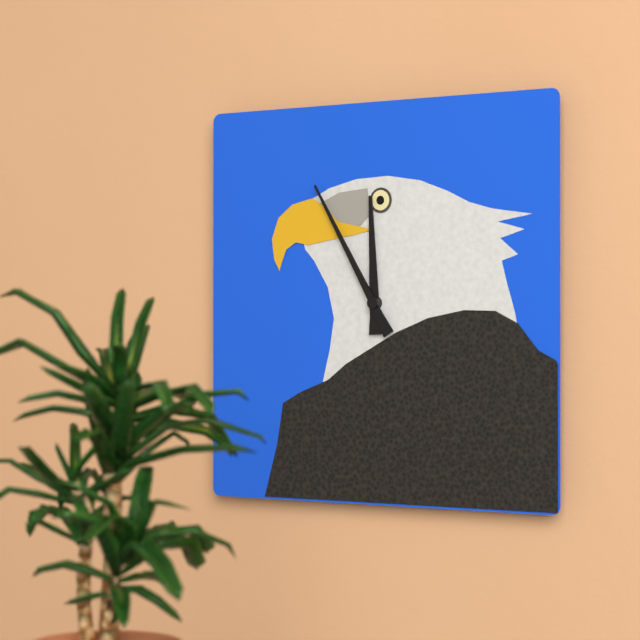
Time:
{"hour": 11, "minute": 55}
